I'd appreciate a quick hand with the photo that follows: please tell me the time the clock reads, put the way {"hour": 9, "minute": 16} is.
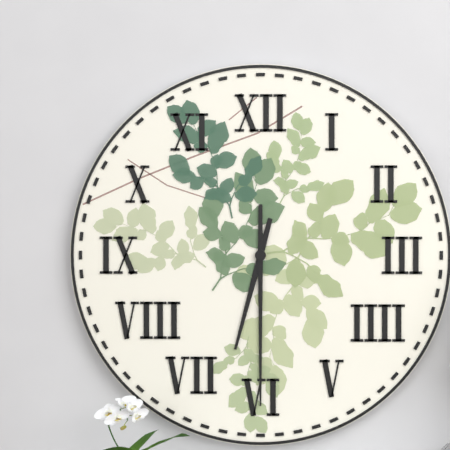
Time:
{"hour": 6, "minute": 30}
